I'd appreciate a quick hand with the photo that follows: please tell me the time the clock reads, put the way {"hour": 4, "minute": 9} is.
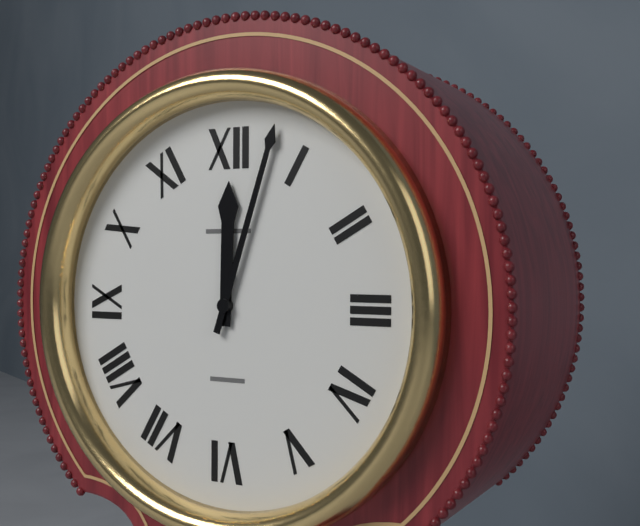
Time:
{"hour": 12, "minute": 3}
